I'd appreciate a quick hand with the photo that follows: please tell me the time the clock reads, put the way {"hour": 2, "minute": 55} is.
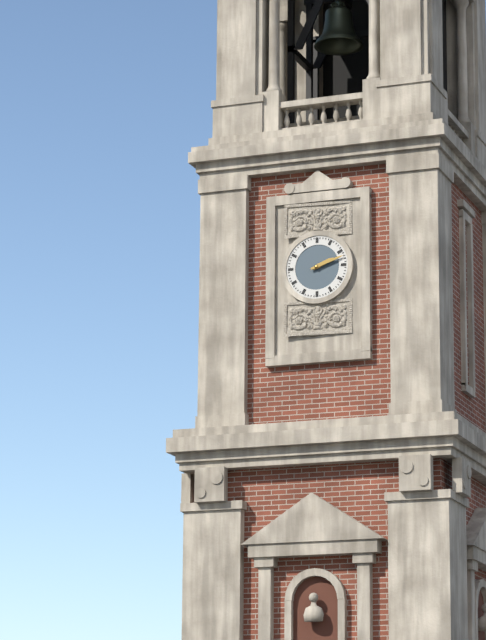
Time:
{"hour": 2, "minute": 12}
